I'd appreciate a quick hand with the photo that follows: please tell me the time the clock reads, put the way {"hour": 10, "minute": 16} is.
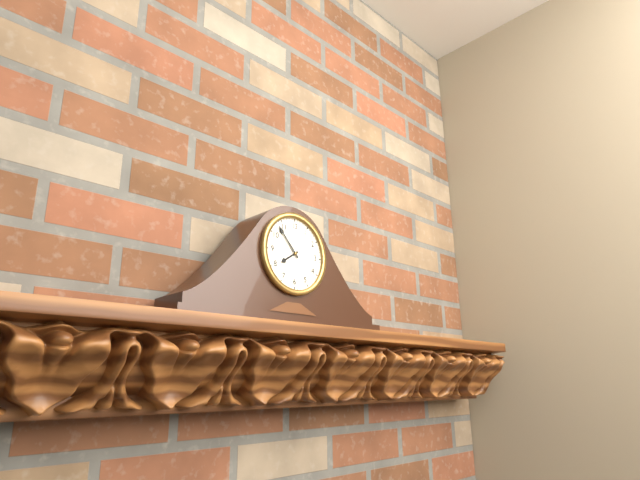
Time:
{"hour": 7, "minute": 53}
